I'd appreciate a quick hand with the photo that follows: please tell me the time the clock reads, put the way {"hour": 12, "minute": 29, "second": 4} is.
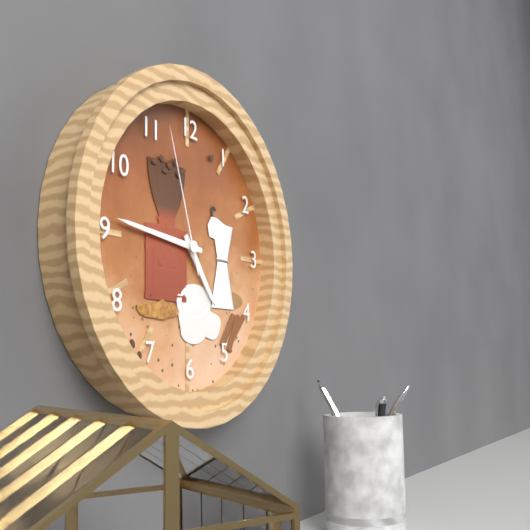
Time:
{"hour": 4, "minute": 46, "second": 57}
